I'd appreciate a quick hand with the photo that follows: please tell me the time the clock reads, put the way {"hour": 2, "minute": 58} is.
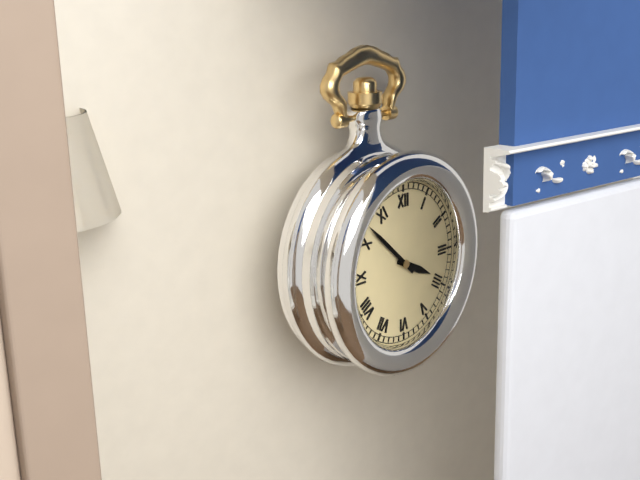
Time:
{"hour": 3, "minute": 52}
